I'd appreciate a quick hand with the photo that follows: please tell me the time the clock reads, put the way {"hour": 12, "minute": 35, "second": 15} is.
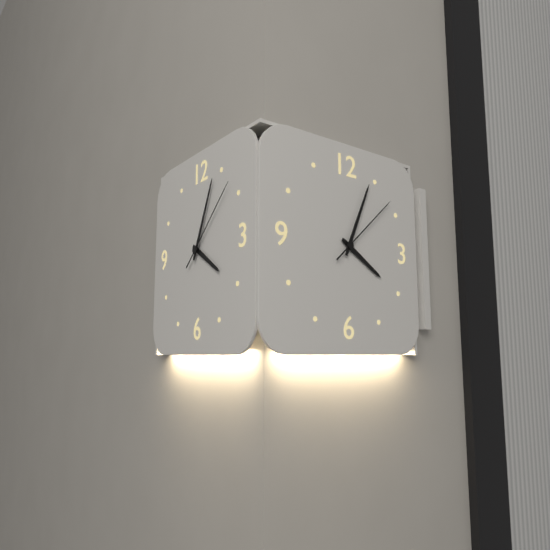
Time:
{"hour": 4, "minute": 4, "second": 8}
